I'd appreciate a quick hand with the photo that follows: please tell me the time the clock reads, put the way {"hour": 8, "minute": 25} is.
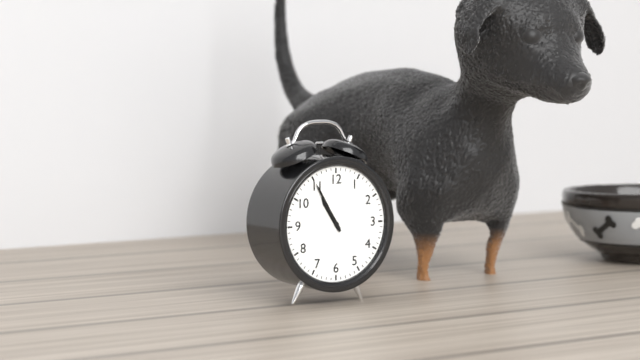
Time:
{"hour": 10, "minute": 55}
